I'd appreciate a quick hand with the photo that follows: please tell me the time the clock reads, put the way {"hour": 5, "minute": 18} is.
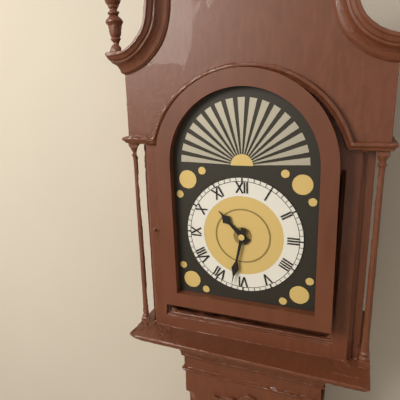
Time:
{"hour": 10, "minute": 32}
